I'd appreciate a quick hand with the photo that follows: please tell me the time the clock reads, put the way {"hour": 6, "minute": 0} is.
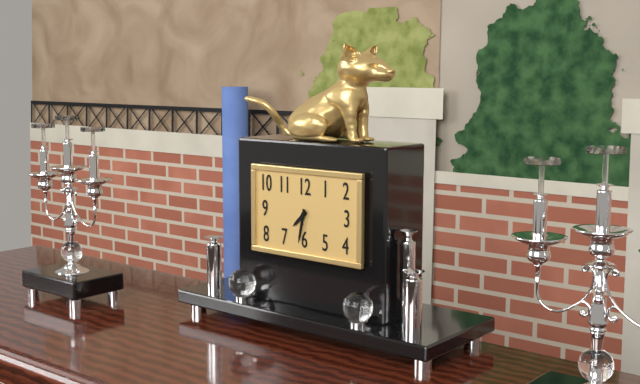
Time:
{"hour": 7, "minute": 32}
